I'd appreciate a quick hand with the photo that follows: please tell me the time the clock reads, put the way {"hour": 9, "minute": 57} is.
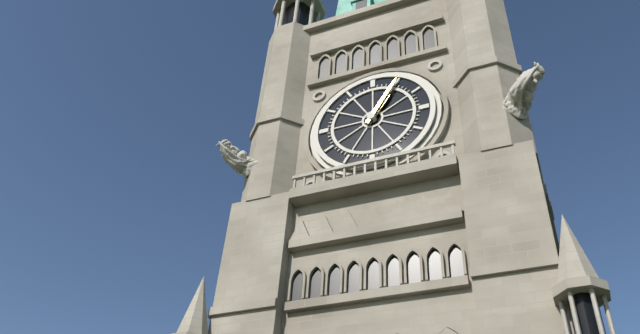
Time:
{"hour": 1, "minute": 5}
